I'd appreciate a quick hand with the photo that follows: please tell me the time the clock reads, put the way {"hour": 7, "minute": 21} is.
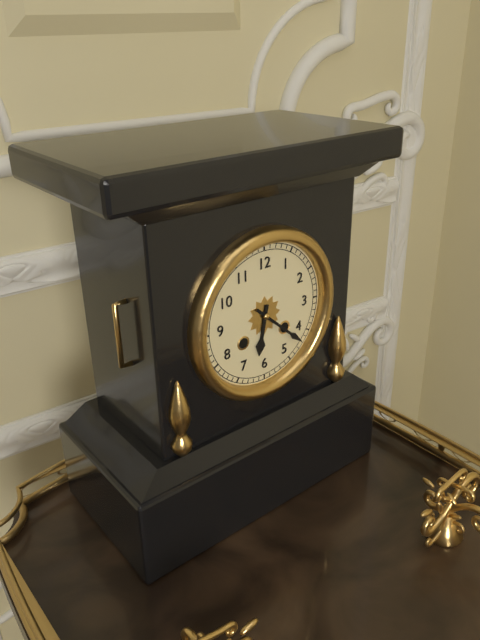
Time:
{"hour": 6, "minute": 22}
